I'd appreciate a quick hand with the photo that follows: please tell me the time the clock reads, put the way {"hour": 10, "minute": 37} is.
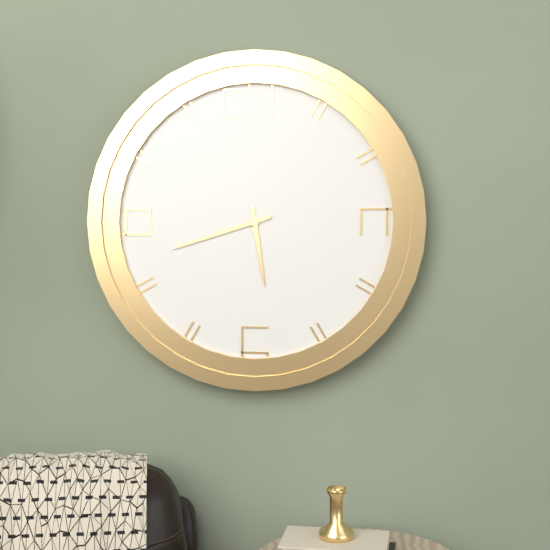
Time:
{"hour": 5, "minute": 42}
